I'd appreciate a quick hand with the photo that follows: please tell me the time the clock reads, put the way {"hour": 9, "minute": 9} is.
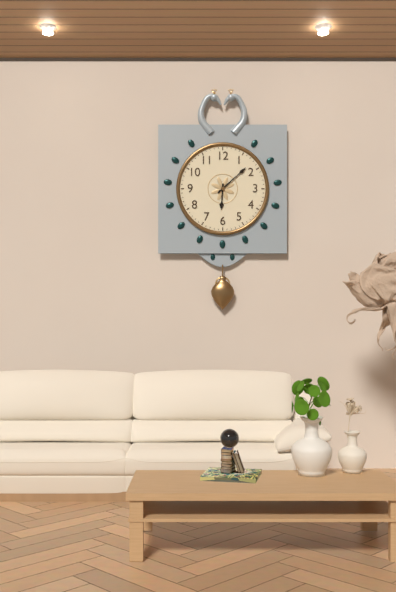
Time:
{"hour": 6, "minute": 8}
